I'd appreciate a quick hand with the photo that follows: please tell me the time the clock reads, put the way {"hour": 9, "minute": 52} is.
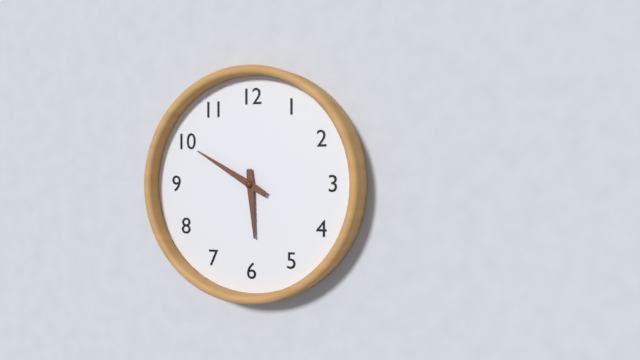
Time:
{"hour": 5, "minute": 50}
